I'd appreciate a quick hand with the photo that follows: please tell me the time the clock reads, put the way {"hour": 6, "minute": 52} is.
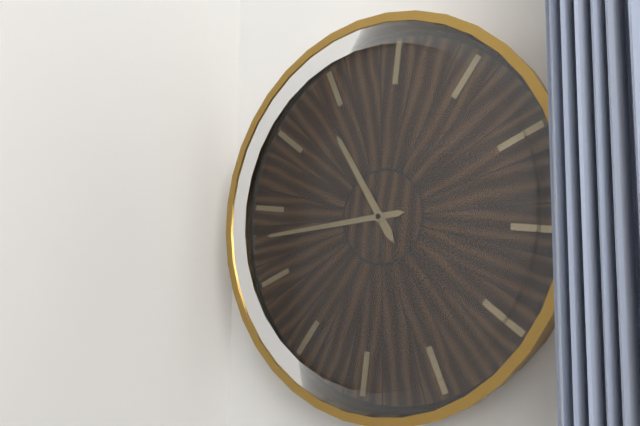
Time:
{"hour": 10, "minute": 43}
